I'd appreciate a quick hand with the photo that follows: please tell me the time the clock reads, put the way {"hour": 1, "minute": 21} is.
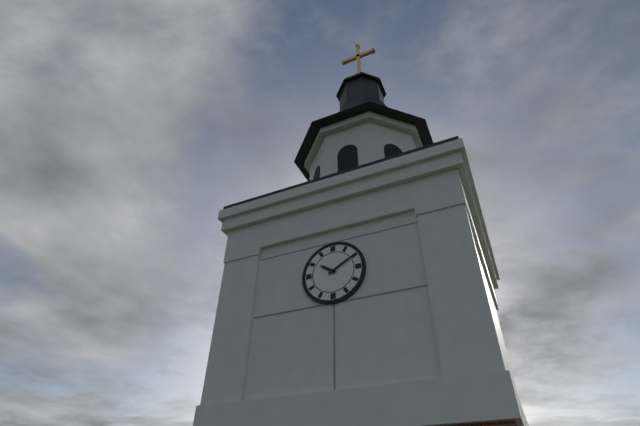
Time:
{"hour": 10, "minute": 10}
